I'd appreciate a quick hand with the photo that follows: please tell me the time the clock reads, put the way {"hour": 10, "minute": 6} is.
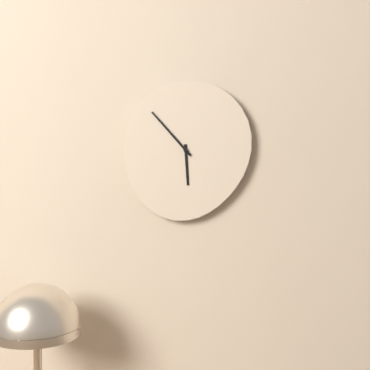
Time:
{"hour": 5, "minute": 53}
